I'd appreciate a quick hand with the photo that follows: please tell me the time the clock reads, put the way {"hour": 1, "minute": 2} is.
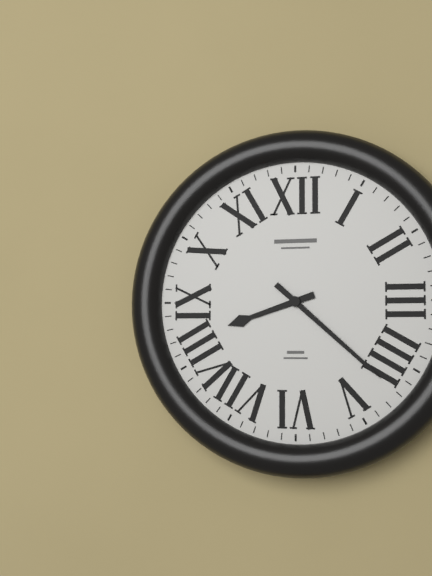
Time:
{"hour": 8, "minute": 22}
